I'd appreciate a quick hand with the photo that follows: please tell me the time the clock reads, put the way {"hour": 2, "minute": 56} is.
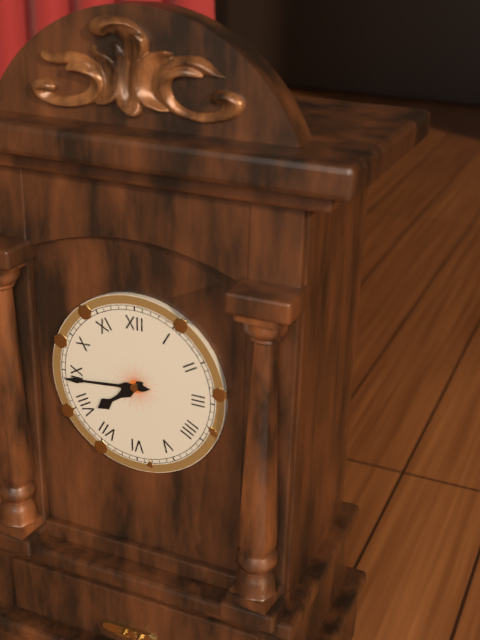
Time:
{"hour": 7, "minute": 44}
